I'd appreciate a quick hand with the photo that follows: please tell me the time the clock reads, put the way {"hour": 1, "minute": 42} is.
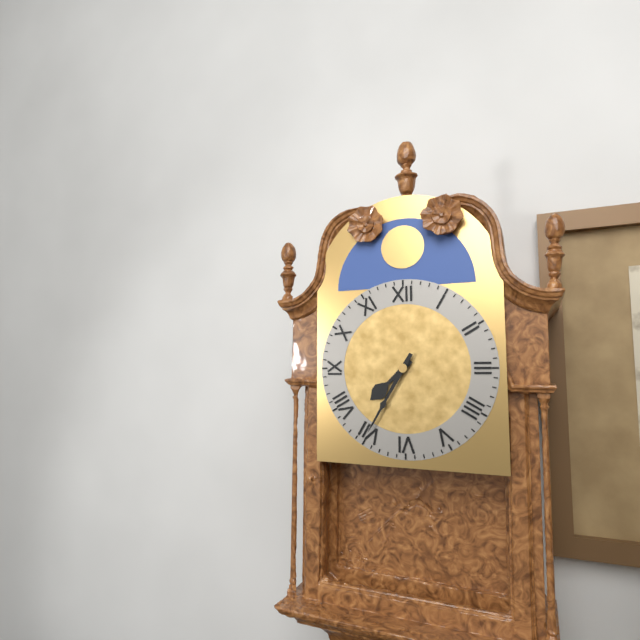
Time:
{"hour": 7, "minute": 35}
